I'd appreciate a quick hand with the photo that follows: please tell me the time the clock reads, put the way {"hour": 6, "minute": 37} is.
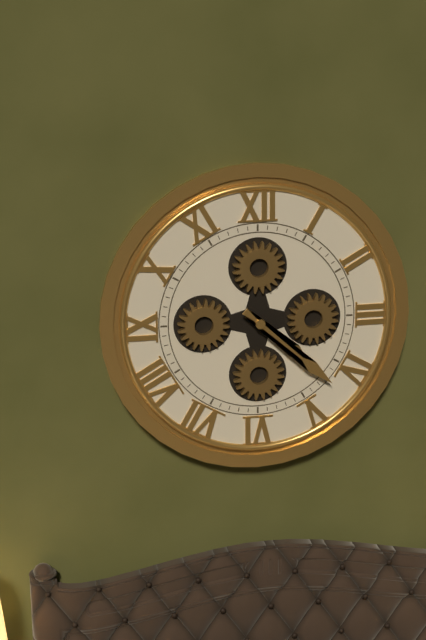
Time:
{"hour": 4, "minute": 22}
